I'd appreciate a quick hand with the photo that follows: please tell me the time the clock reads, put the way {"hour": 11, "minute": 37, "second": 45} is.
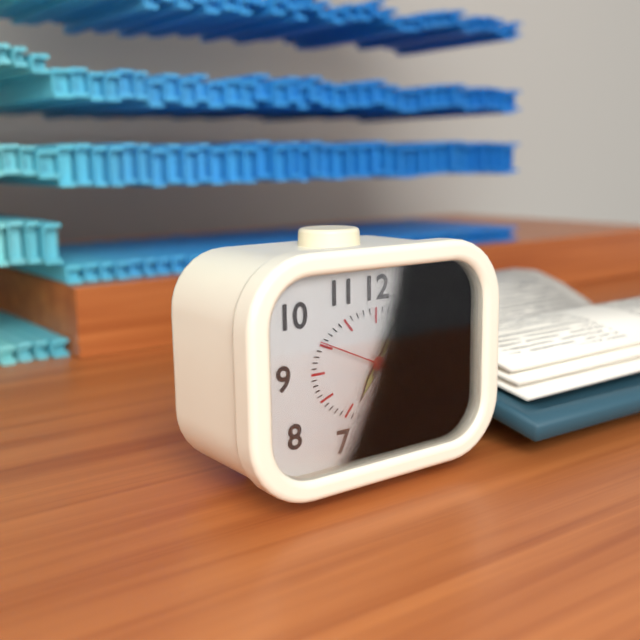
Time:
{"hour": 7, "minute": 5, "second": 49}
